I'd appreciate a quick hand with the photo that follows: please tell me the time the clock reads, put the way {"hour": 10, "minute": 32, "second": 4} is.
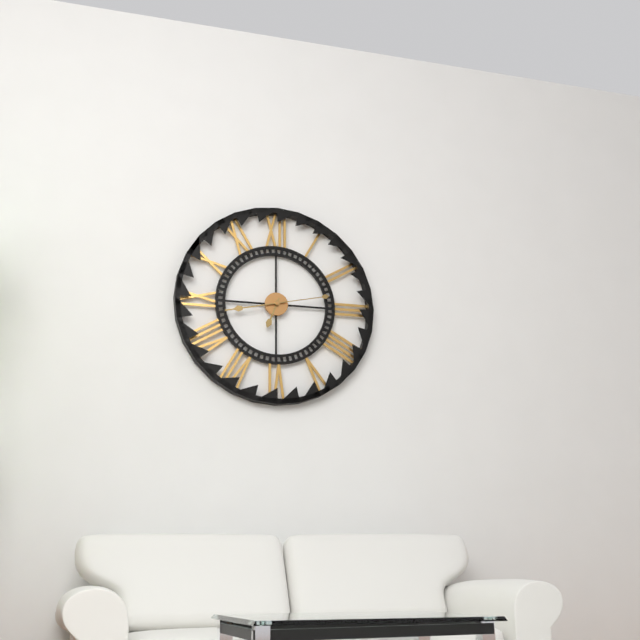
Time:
{"hour": 6, "minute": 43, "second": 13}
